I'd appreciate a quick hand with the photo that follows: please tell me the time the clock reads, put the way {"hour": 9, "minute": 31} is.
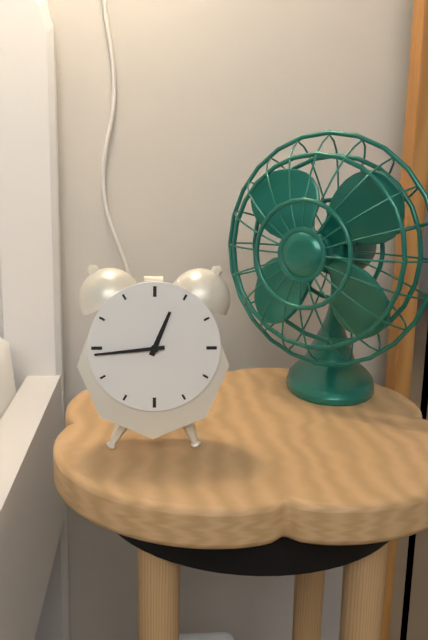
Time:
{"hour": 12, "minute": 44}
